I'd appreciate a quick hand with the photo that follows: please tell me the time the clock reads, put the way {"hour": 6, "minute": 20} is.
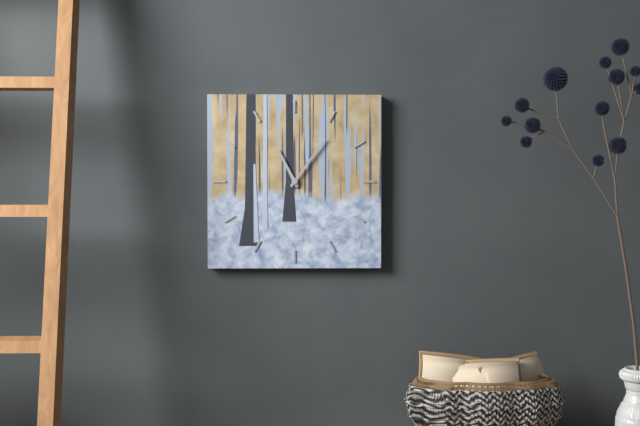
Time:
{"hour": 11, "minute": 6}
